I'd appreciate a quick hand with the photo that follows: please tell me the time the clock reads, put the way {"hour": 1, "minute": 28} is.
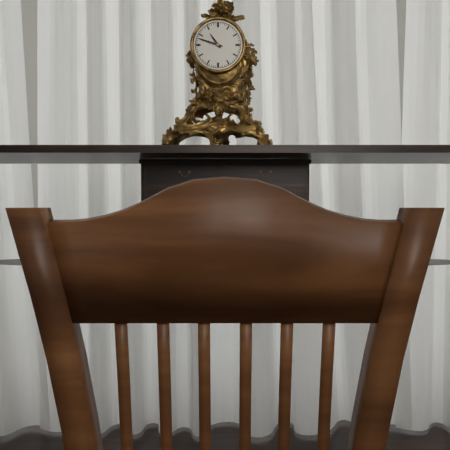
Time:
{"hour": 10, "minute": 48}
